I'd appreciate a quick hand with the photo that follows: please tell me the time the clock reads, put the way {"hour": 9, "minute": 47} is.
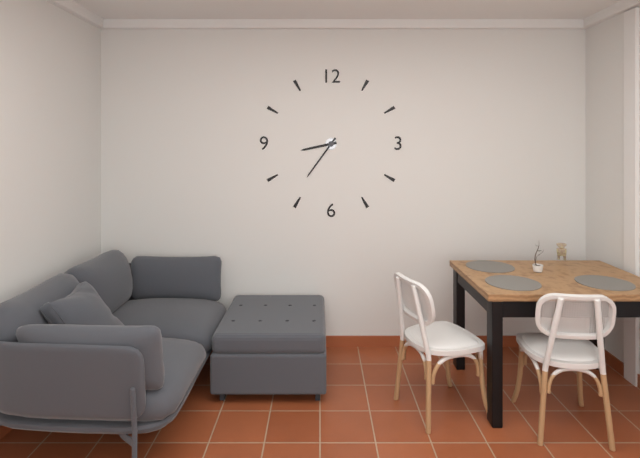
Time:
{"hour": 8, "minute": 36}
